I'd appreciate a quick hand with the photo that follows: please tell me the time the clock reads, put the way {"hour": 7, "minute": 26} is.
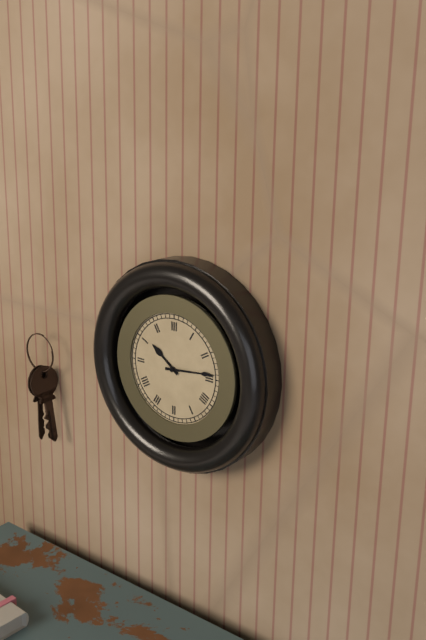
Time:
{"hour": 10, "minute": 14}
